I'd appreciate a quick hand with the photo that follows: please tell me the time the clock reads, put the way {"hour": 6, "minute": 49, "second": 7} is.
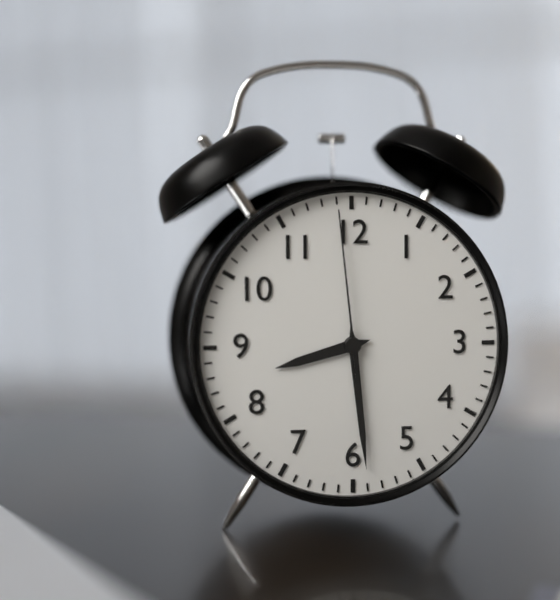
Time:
{"hour": 8, "minute": 29, "second": 59}
